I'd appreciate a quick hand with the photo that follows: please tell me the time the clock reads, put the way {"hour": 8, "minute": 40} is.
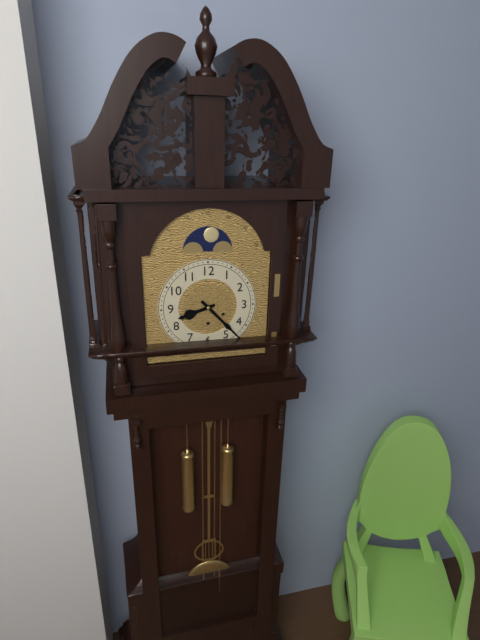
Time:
{"hour": 8, "minute": 23}
